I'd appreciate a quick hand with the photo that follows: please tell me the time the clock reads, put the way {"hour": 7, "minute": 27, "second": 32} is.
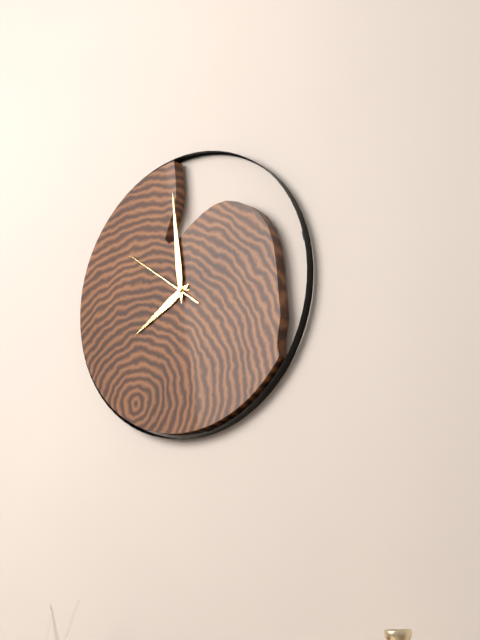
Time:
{"hour": 7, "minute": 59, "second": 51}
